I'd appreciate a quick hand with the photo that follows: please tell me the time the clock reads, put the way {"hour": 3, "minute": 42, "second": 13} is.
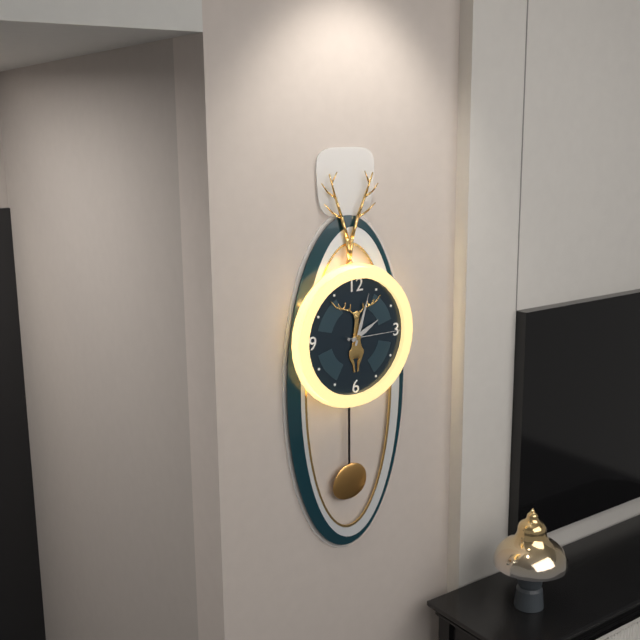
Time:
{"hour": 2, "minute": 3, "second": 15}
